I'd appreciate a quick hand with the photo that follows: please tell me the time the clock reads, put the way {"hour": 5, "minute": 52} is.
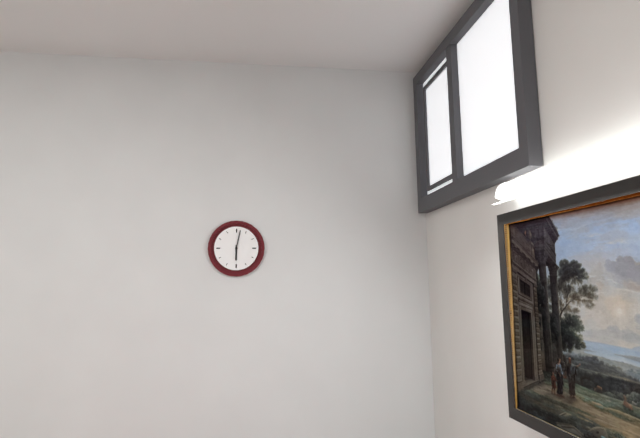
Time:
{"hour": 6, "minute": 2}
